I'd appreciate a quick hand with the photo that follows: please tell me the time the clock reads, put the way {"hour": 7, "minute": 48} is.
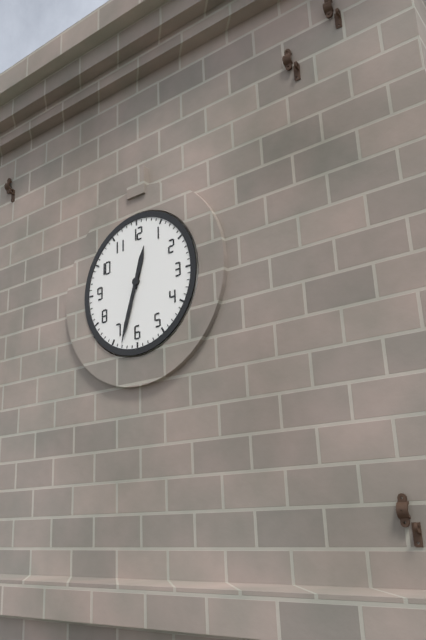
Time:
{"hour": 12, "minute": 33}
